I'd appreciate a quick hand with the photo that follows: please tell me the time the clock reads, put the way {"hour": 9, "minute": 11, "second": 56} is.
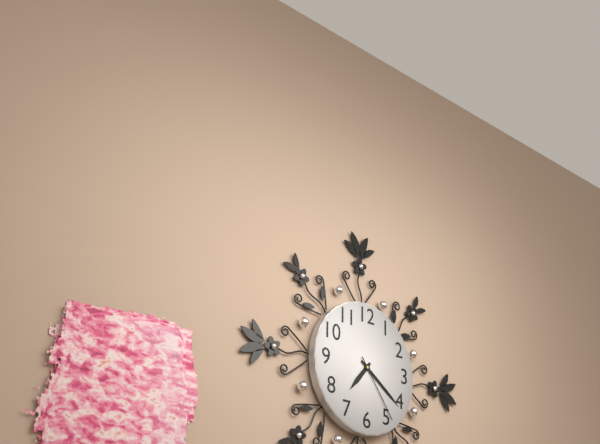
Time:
{"hour": 7, "minute": 21, "second": 24}
